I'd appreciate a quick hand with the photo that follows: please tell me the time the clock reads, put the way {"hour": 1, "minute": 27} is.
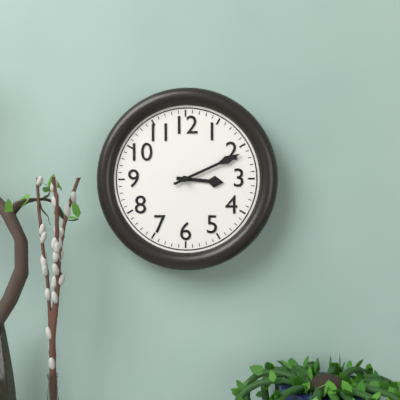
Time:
{"hour": 3, "minute": 11}
